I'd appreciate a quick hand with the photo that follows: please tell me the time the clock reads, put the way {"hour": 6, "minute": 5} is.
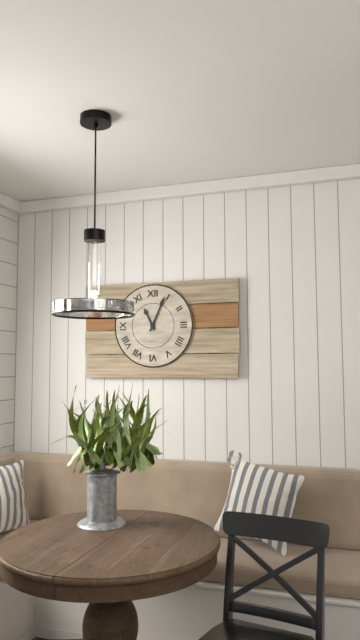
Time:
{"hour": 11, "minute": 4}
